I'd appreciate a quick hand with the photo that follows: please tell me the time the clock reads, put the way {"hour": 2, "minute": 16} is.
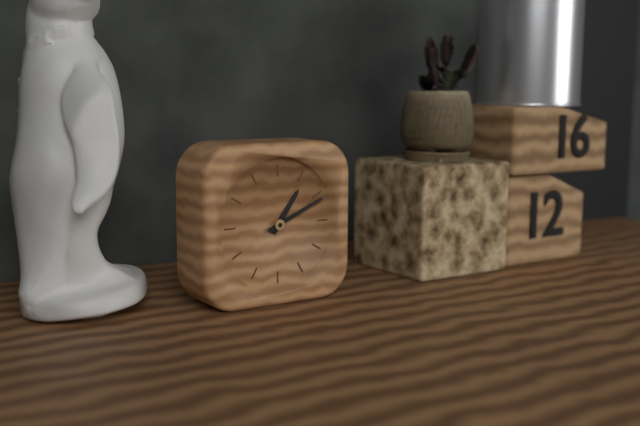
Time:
{"hour": 1, "minute": 11}
